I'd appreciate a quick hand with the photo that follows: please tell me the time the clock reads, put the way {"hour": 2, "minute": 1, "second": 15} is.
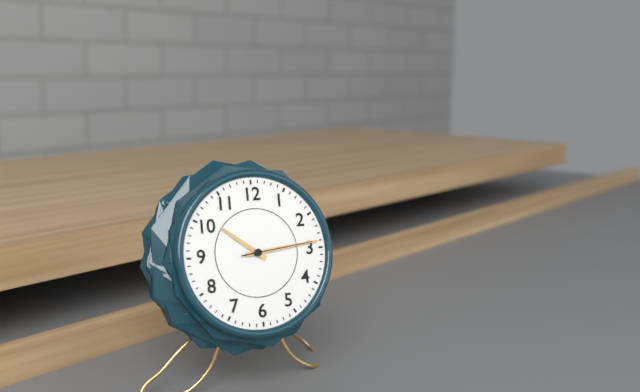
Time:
{"hour": 10, "minute": 14, "second": 14}
